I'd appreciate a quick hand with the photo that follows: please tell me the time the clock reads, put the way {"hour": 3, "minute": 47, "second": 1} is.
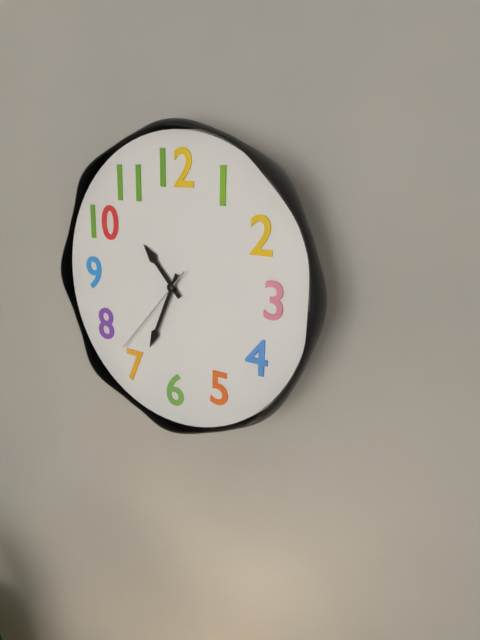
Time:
{"hour": 10, "minute": 34, "second": 37}
